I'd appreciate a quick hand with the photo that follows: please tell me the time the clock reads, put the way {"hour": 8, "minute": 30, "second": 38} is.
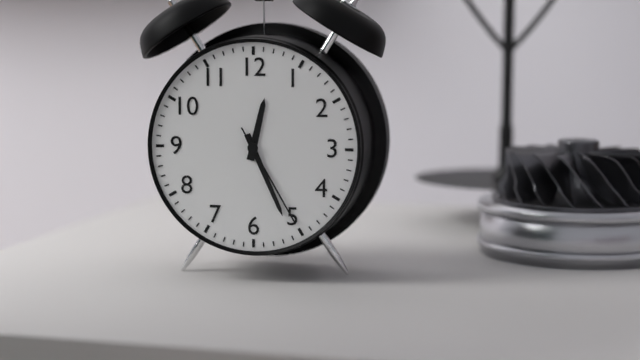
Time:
{"hour": 12, "minute": 26, "second": 25}
